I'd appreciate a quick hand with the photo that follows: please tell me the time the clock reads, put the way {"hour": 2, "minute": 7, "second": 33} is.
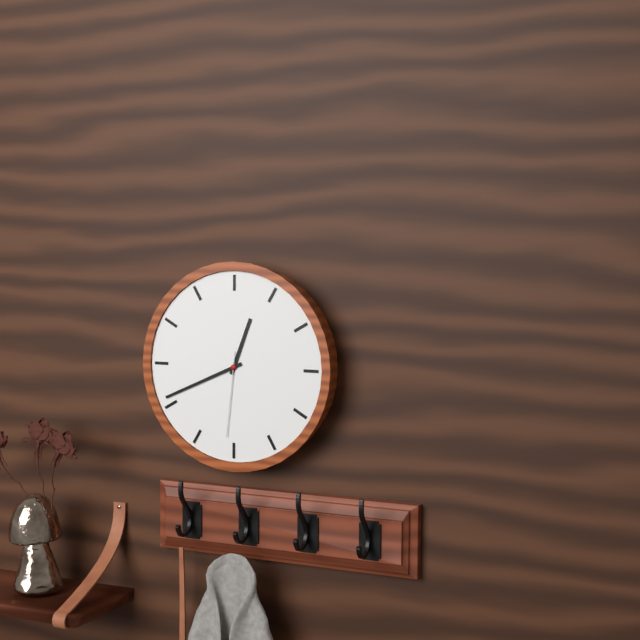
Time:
{"hour": 12, "minute": 41, "second": 31}
